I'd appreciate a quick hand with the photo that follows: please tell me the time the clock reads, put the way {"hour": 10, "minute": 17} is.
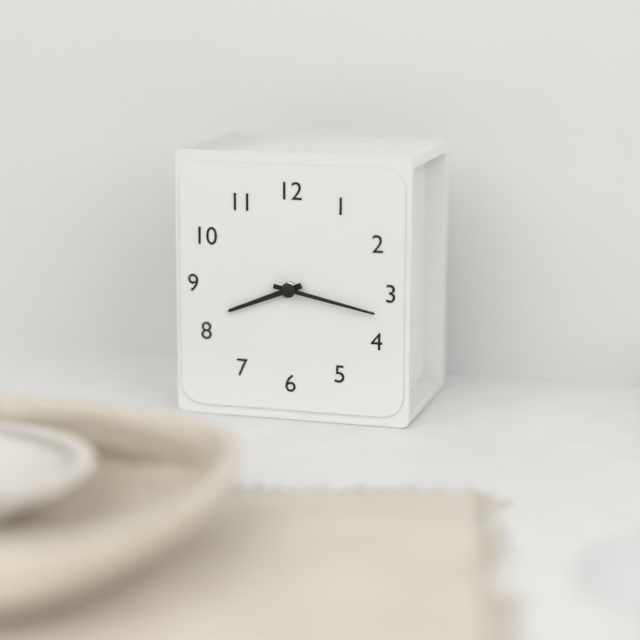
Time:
{"hour": 8, "minute": 17}
